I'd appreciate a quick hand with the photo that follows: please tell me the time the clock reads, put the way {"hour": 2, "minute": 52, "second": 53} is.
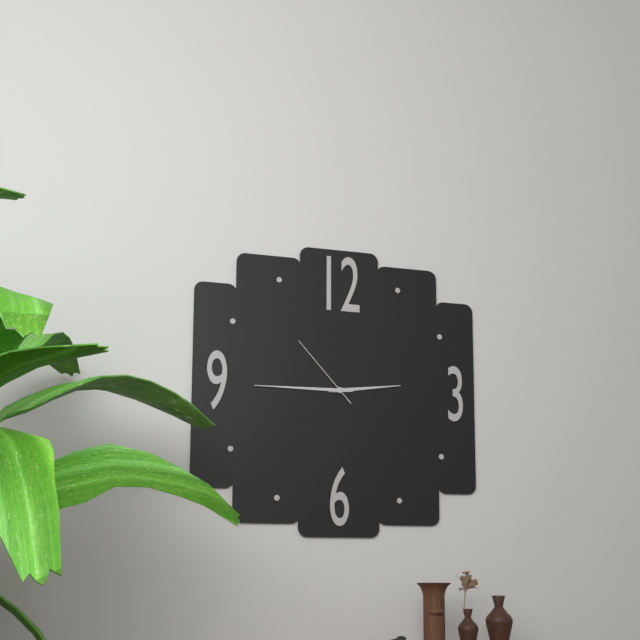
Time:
{"hour": 2, "minute": 45, "second": 53}
